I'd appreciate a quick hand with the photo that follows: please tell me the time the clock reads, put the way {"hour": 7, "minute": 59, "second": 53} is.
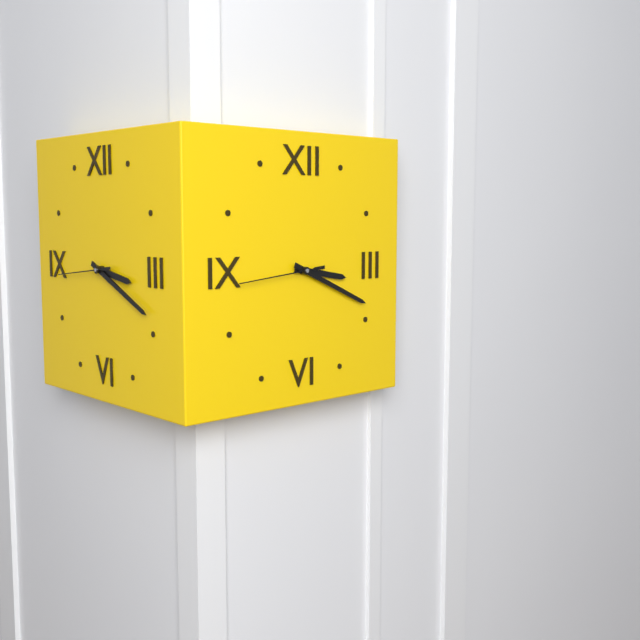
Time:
{"hour": 3, "minute": 19, "second": 44}
